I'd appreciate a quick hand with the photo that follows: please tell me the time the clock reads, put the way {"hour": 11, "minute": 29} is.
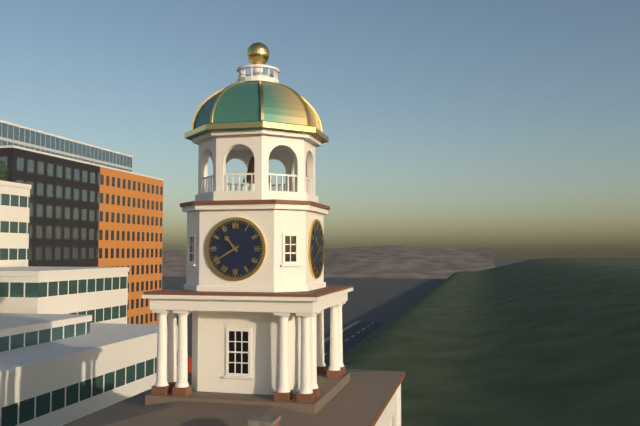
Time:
{"hour": 10, "minute": 40}
